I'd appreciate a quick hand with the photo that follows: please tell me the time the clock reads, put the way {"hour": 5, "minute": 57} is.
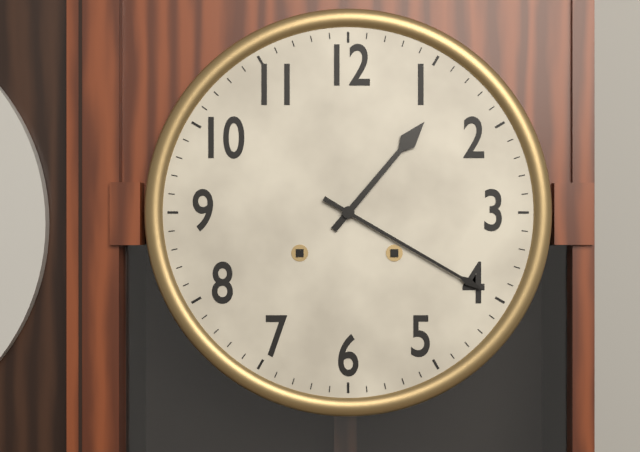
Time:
{"hour": 1, "minute": 20}
